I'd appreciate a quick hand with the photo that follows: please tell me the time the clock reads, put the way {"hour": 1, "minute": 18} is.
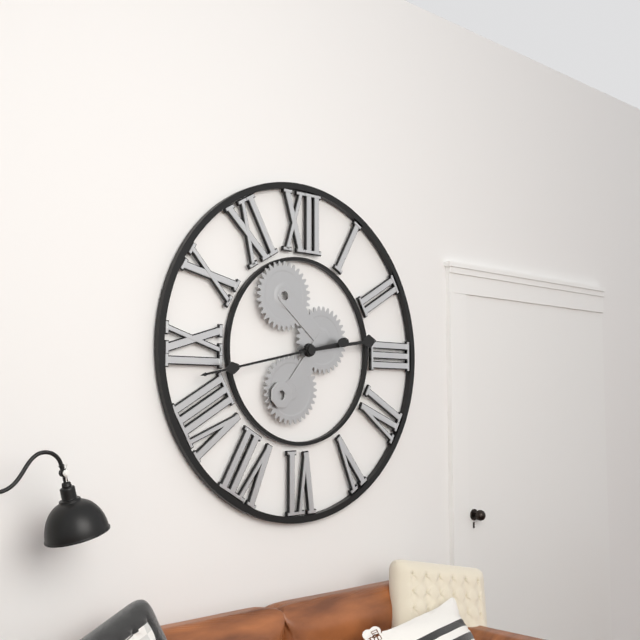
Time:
{"hour": 2, "minute": 43}
